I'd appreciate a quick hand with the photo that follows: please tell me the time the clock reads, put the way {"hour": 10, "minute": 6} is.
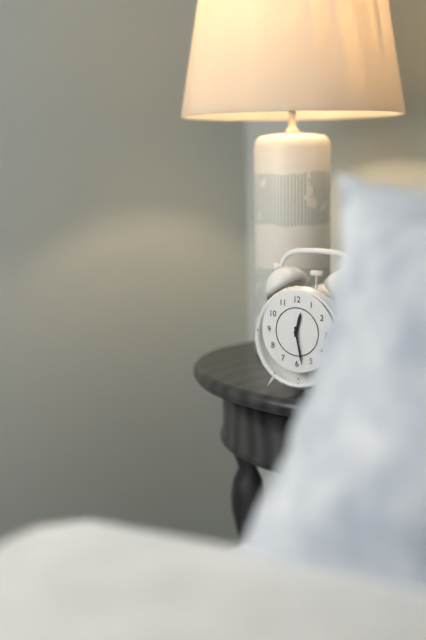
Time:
{"hour": 12, "minute": 28}
